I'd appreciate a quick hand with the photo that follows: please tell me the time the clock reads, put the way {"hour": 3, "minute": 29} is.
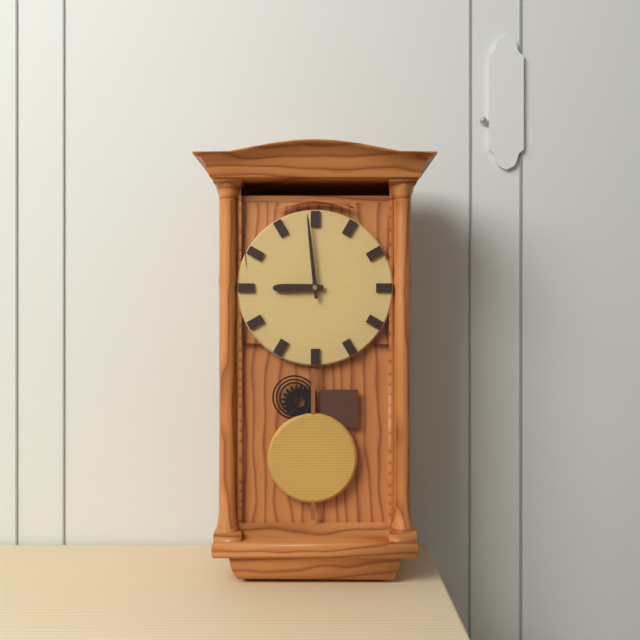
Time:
{"hour": 8, "minute": 59}
